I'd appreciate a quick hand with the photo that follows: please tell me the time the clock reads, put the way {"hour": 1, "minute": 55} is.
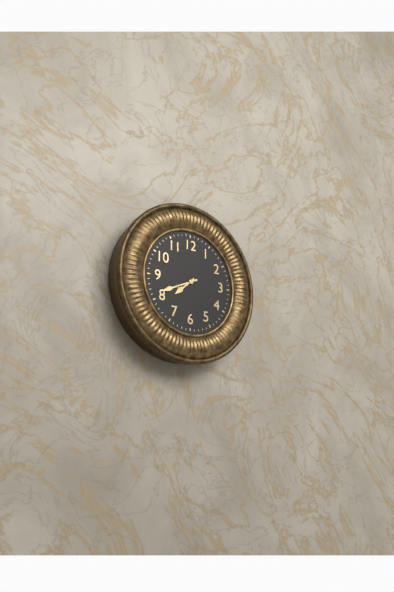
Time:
{"hour": 7, "minute": 41}
